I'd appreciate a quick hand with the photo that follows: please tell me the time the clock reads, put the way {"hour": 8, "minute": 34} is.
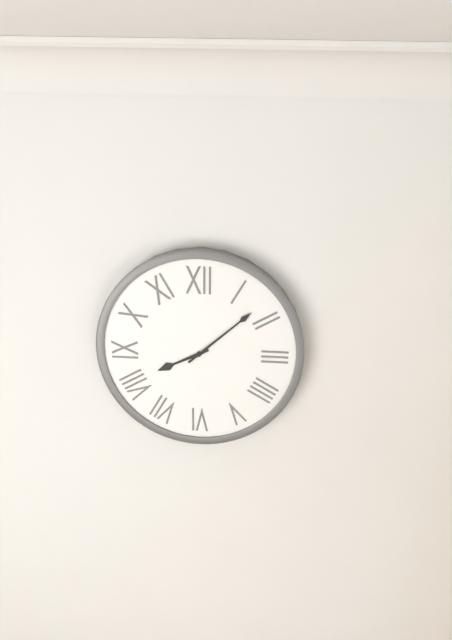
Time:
{"hour": 8, "minute": 8}
